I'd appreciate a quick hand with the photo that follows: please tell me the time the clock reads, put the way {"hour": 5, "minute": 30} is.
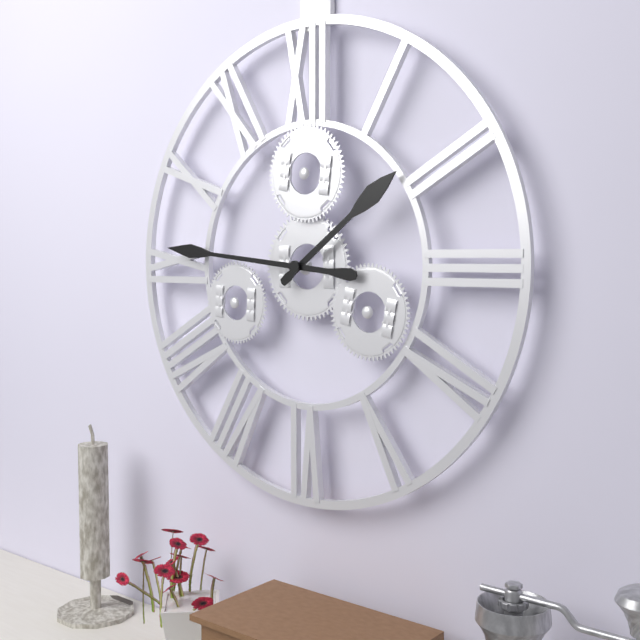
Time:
{"hour": 1, "minute": 46}
